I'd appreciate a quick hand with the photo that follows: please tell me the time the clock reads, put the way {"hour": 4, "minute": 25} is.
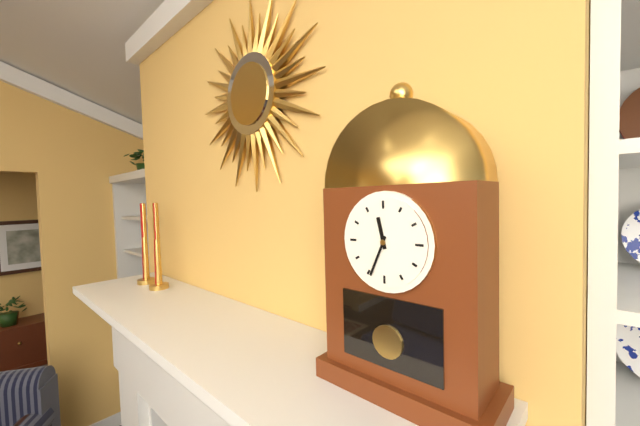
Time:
{"hour": 11, "minute": 34}
